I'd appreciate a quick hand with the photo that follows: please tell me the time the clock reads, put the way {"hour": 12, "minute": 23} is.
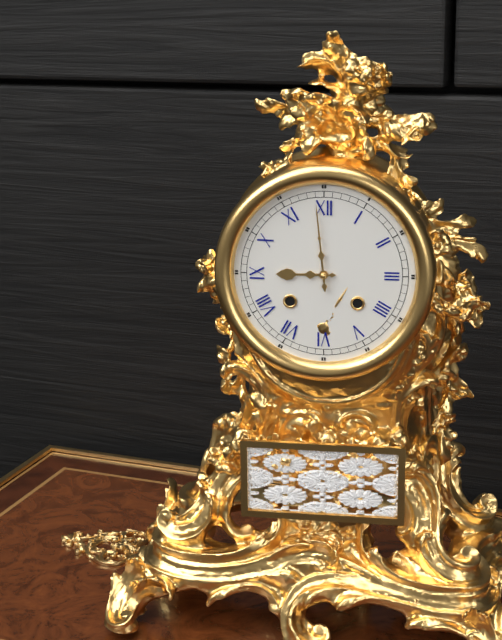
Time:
{"hour": 8, "minute": 59}
